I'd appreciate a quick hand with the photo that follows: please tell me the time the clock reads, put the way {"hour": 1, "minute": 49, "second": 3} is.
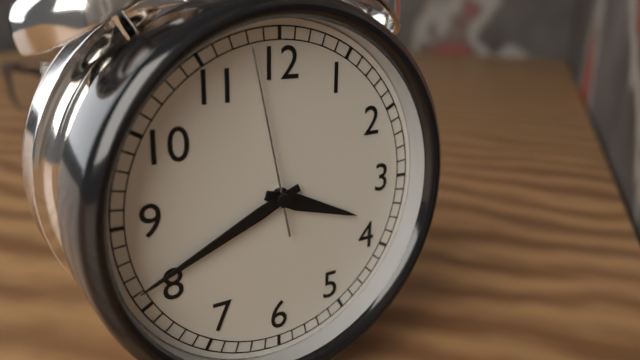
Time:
{"hour": 3, "minute": 41, "second": 58}
